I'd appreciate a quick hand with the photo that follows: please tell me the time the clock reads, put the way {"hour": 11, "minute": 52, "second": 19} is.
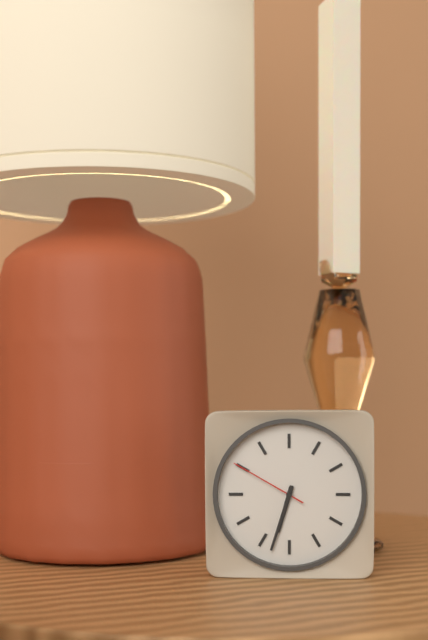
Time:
{"hour": 6, "minute": 33, "second": 50}
